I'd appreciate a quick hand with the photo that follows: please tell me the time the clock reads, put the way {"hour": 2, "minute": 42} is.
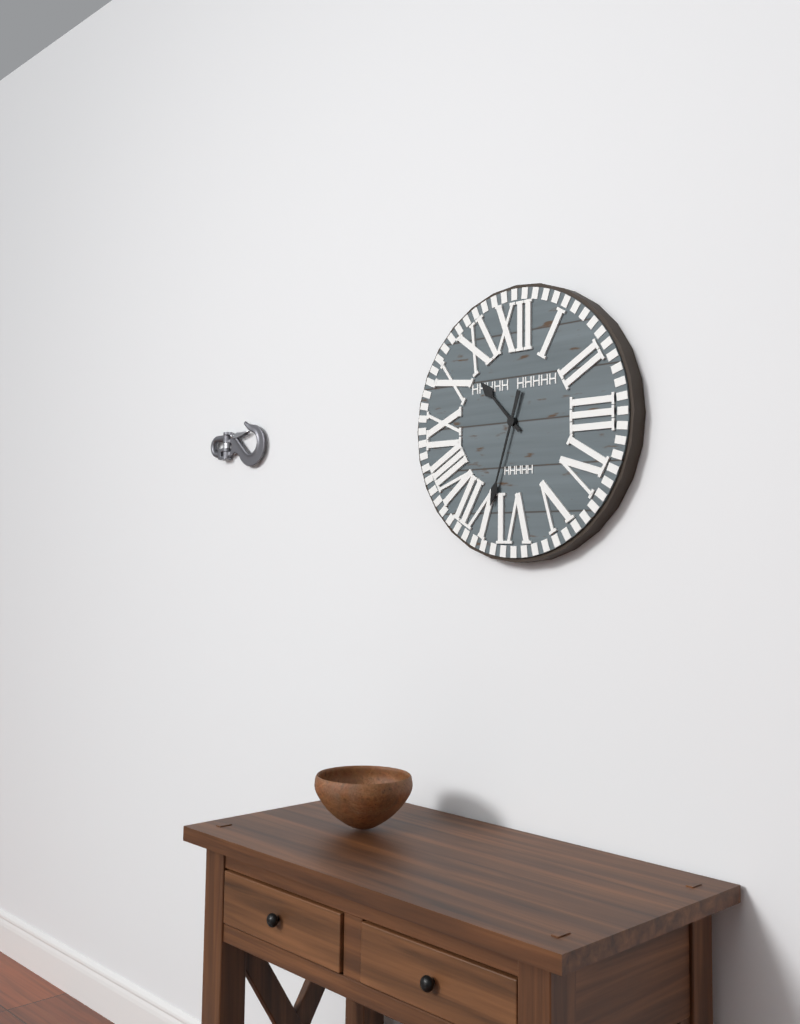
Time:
{"hour": 10, "minute": 33}
